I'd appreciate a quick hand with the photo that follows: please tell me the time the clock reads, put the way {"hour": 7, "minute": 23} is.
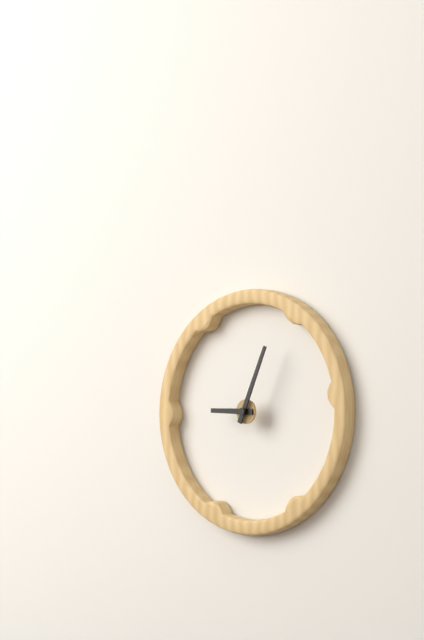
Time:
{"hour": 9, "minute": 4}
